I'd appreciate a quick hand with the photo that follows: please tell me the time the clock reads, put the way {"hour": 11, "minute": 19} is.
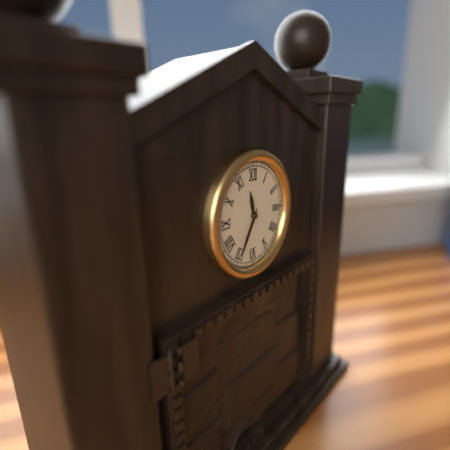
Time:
{"hour": 11, "minute": 35}
